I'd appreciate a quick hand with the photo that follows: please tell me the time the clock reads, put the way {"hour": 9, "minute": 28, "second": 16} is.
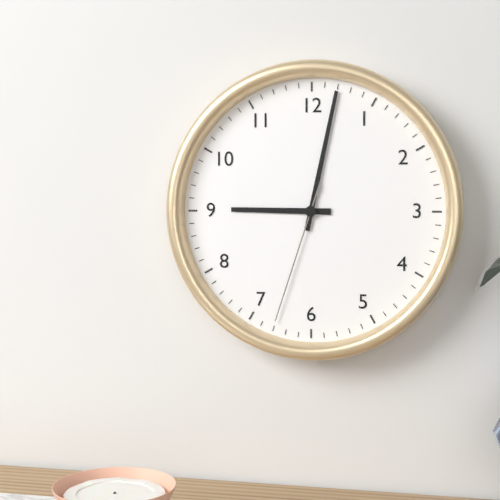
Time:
{"hour": 9, "minute": 2, "second": 33}
